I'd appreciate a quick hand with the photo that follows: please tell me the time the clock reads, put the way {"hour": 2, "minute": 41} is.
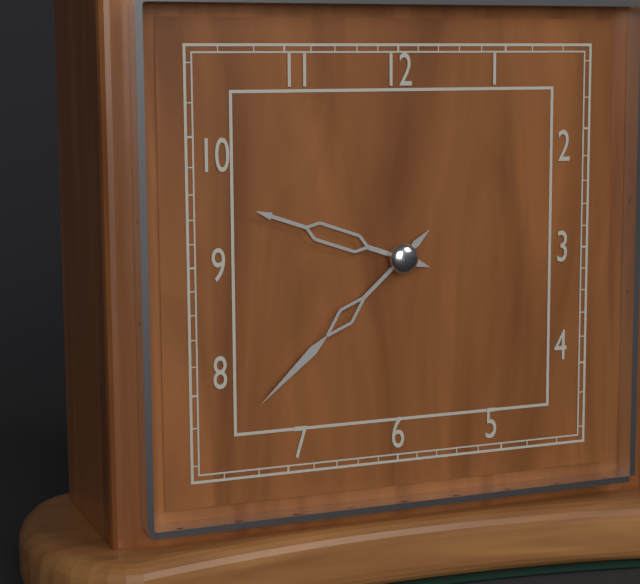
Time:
{"hour": 9, "minute": 38}
